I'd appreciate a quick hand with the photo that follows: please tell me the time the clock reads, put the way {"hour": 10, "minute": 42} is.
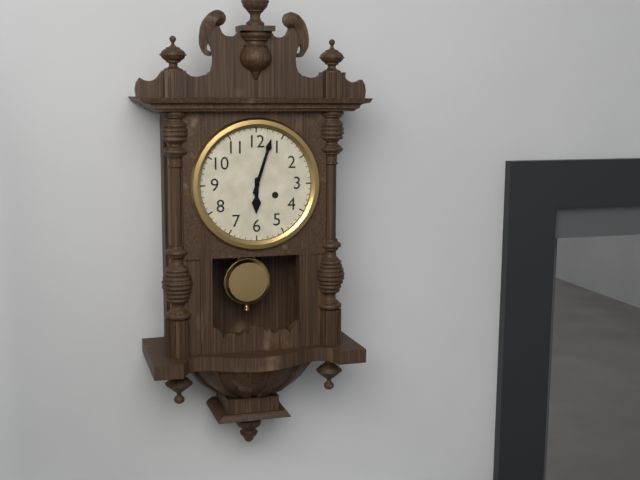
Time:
{"hour": 6, "minute": 3}
